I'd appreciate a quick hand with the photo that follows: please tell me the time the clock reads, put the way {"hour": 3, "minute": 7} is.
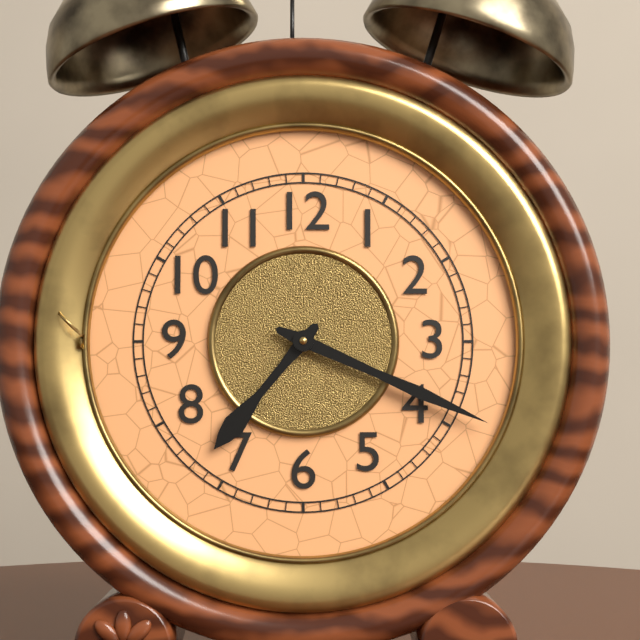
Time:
{"hour": 7, "minute": 19}
